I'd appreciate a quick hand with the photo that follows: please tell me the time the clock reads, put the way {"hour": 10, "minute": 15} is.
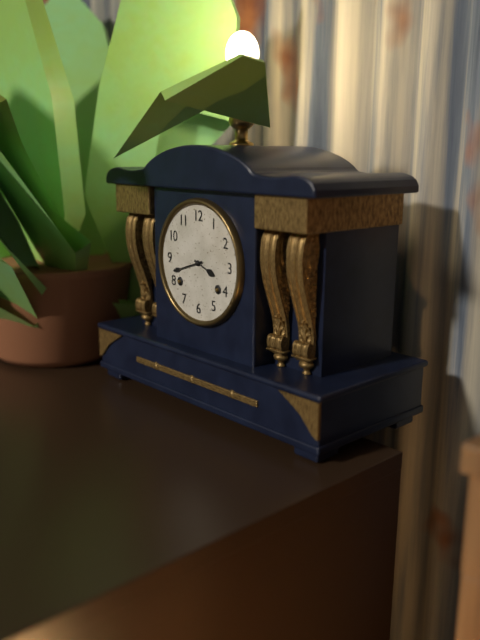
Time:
{"hour": 3, "minute": 42}
